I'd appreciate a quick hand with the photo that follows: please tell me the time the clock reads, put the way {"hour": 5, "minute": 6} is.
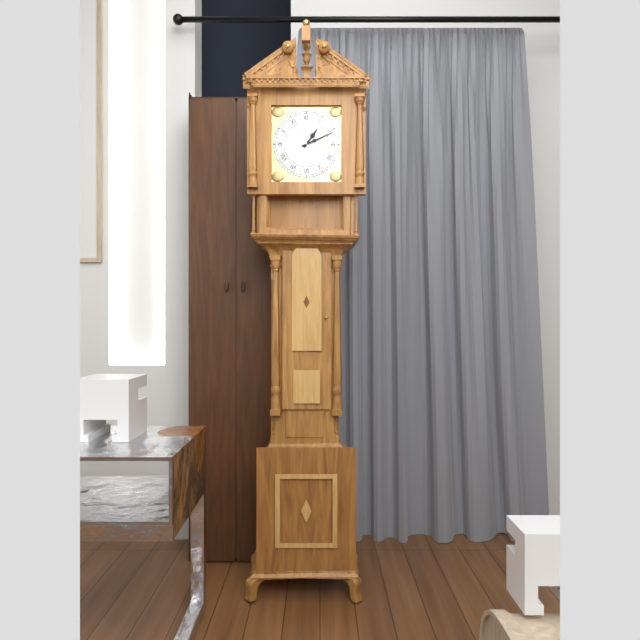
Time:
{"hour": 1, "minute": 11}
